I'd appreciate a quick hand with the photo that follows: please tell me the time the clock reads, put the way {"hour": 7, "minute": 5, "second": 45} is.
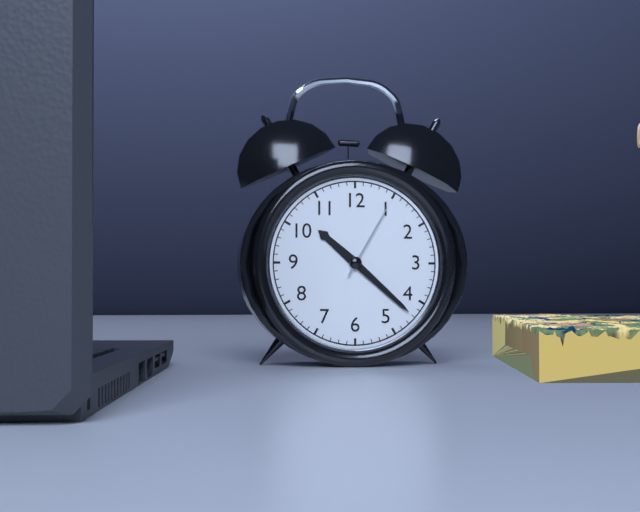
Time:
{"hour": 10, "minute": 22, "second": 5}
